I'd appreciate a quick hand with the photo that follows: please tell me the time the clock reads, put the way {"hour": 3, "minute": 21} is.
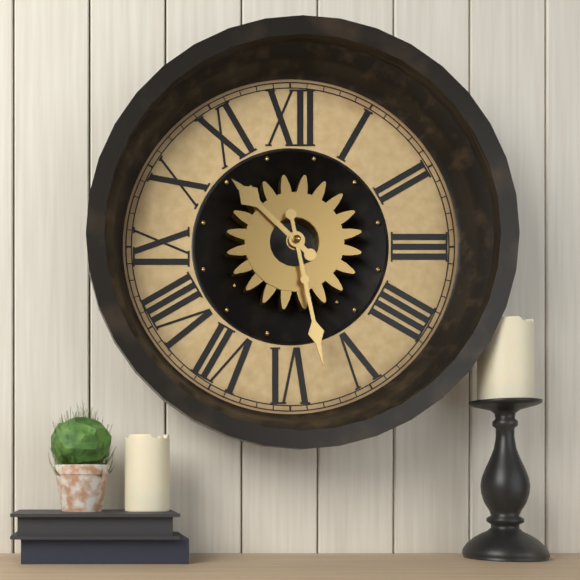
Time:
{"hour": 10, "minute": 28}
